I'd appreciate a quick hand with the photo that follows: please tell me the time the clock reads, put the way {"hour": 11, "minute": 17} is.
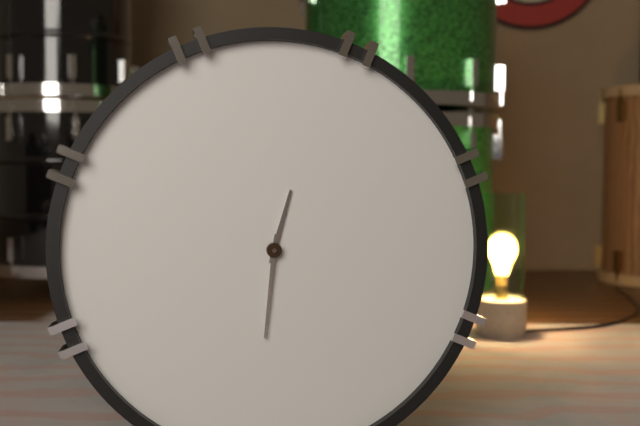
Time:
{"hour": 12, "minute": 31}
